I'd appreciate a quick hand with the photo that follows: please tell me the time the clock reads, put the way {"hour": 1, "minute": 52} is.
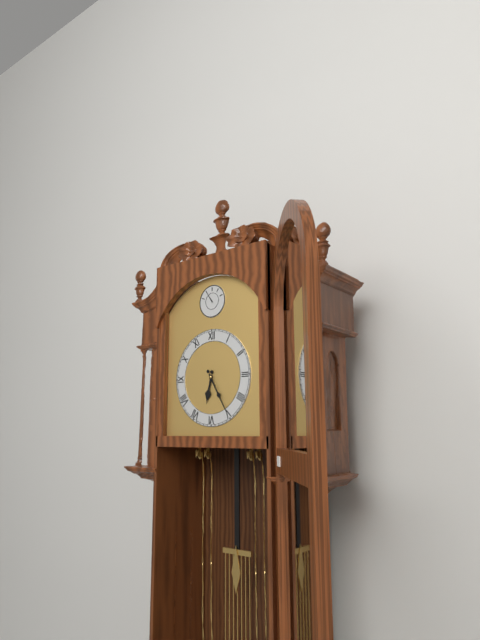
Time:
{"hour": 6, "minute": 25}
